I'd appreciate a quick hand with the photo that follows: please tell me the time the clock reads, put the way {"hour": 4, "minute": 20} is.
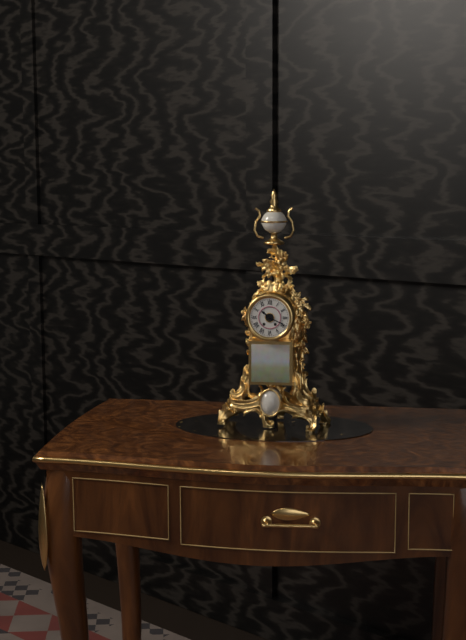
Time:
{"hour": 10, "minute": 19}
